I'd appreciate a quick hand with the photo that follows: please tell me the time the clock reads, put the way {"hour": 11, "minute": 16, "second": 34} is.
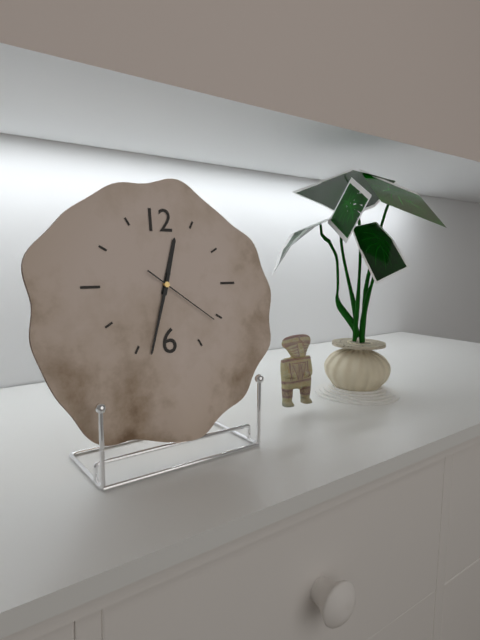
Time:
{"hour": 12, "minute": 33, "second": 21}
